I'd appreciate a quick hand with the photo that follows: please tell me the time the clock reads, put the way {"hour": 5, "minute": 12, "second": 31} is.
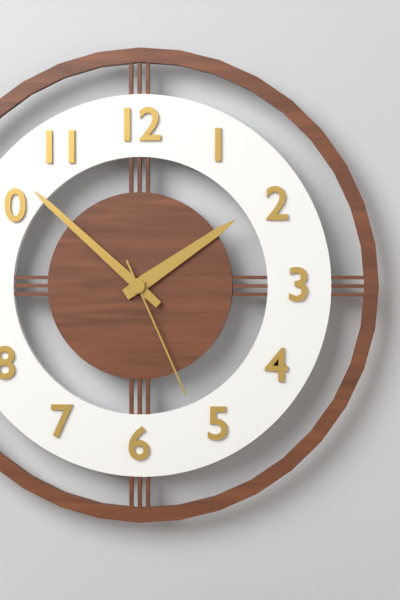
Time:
{"hour": 1, "minute": 52, "second": 26}
